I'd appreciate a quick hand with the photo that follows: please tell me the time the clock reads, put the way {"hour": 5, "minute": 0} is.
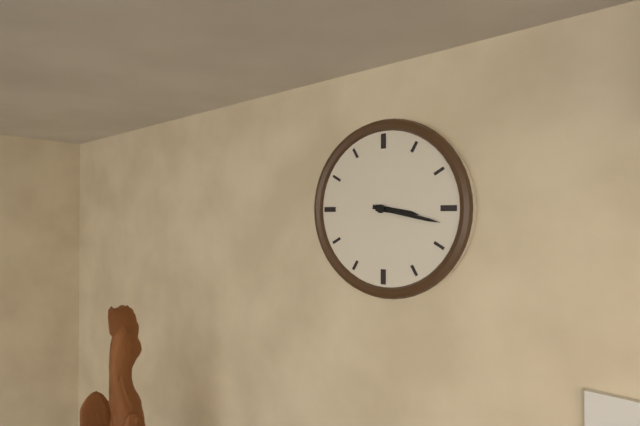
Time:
{"hour": 3, "minute": 17}
